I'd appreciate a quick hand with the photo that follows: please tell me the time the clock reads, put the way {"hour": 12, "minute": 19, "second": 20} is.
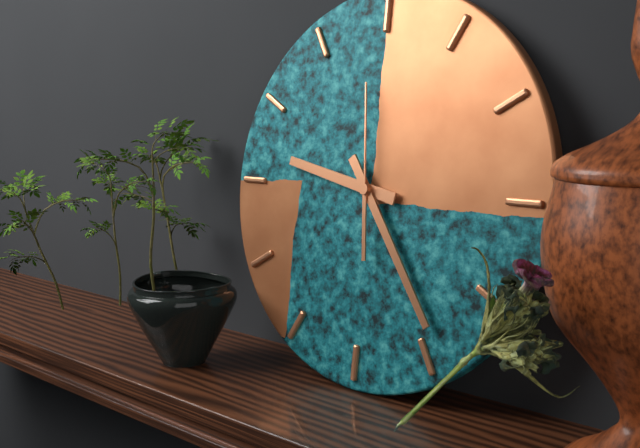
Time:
{"hour": 9, "minute": 24, "second": 59}
